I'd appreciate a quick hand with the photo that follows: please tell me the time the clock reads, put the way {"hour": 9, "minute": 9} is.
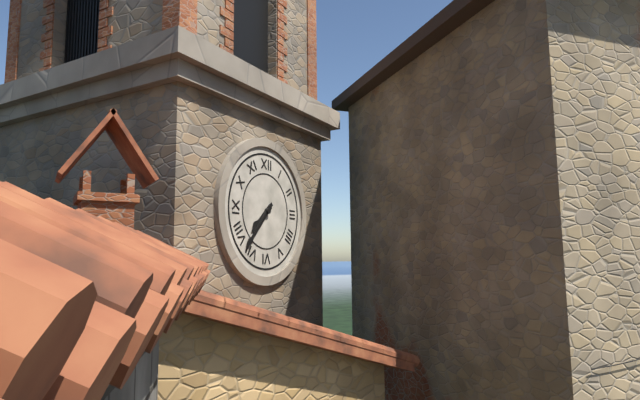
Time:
{"hour": 7, "minute": 37}
